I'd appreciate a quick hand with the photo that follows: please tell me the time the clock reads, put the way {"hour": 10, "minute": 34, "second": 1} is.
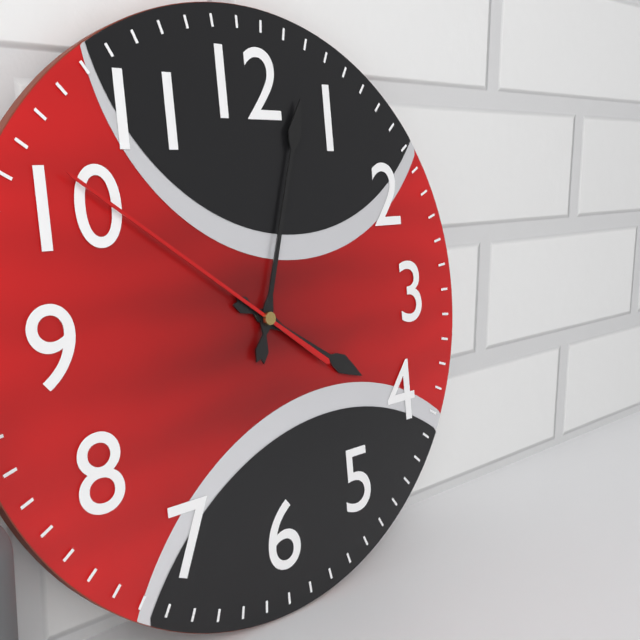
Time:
{"hour": 4, "minute": 3, "second": 51}
